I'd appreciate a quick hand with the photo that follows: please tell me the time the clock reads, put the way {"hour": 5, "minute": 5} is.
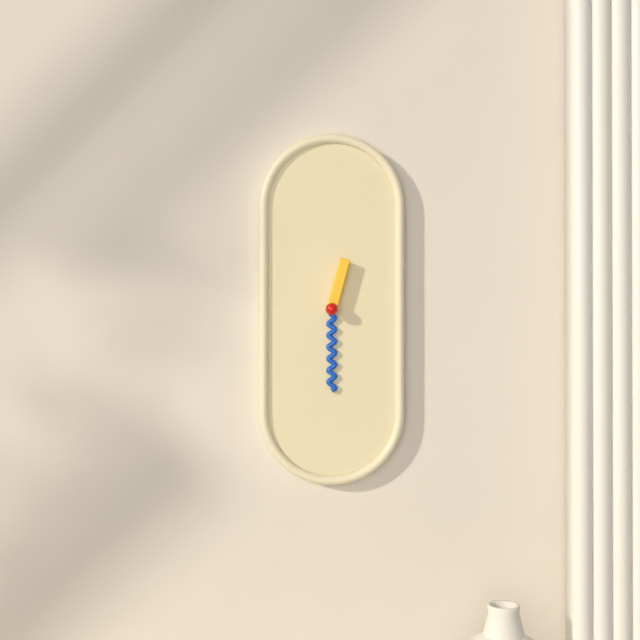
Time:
{"hour": 12, "minute": 30}
